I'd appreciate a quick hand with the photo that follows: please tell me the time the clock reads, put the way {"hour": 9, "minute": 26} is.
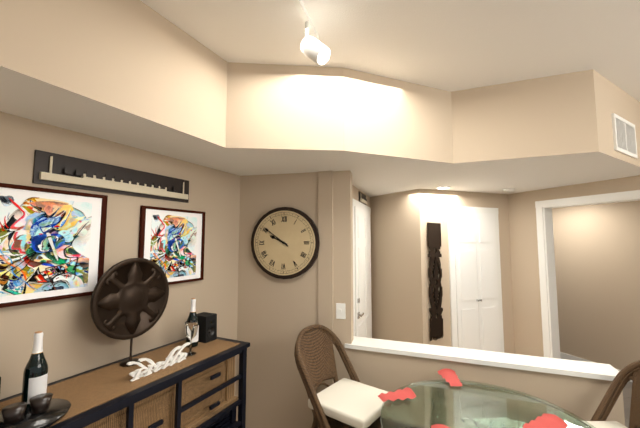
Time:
{"hour": 9, "minute": 51}
